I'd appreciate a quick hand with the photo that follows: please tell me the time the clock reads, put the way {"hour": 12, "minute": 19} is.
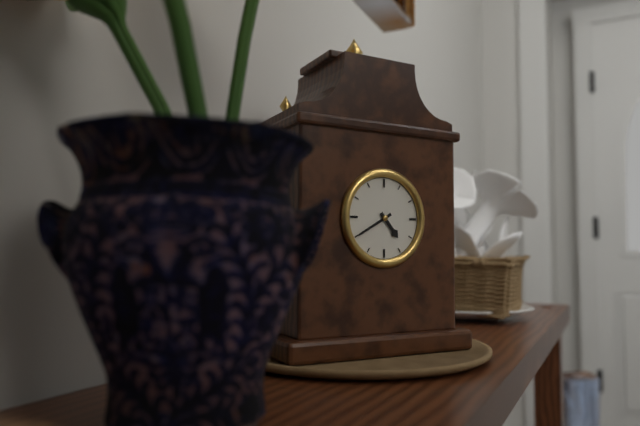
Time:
{"hour": 4, "minute": 40}
